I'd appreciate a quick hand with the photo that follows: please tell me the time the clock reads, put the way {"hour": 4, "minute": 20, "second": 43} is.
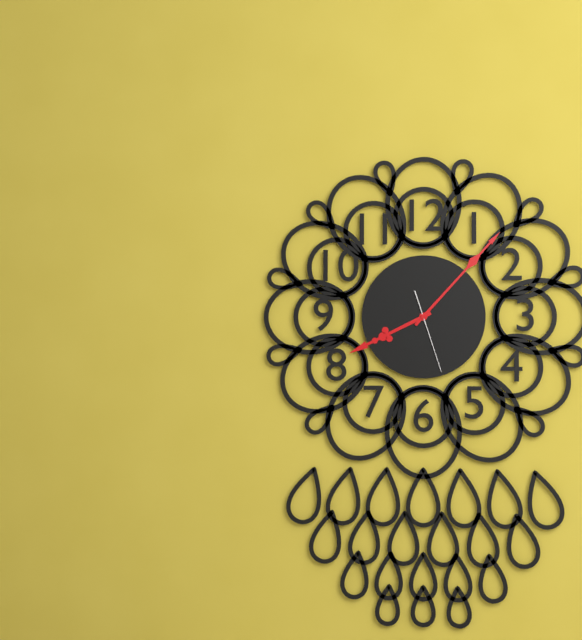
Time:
{"hour": 8, "minute": 7, "second": 27}
